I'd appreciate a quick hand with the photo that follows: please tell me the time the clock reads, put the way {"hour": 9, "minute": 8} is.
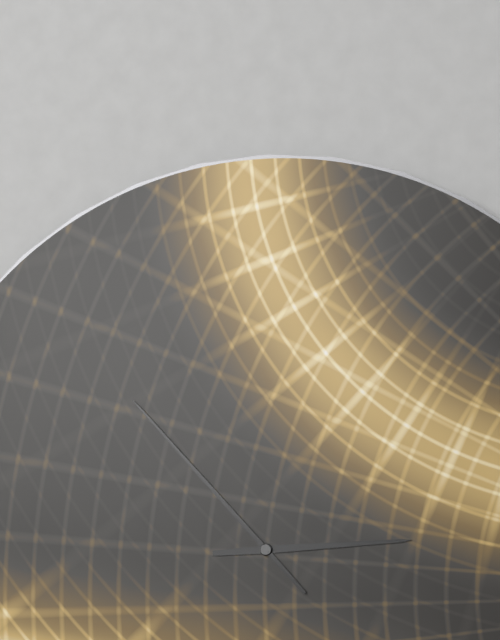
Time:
{"hour": 2, "minute": 53}
